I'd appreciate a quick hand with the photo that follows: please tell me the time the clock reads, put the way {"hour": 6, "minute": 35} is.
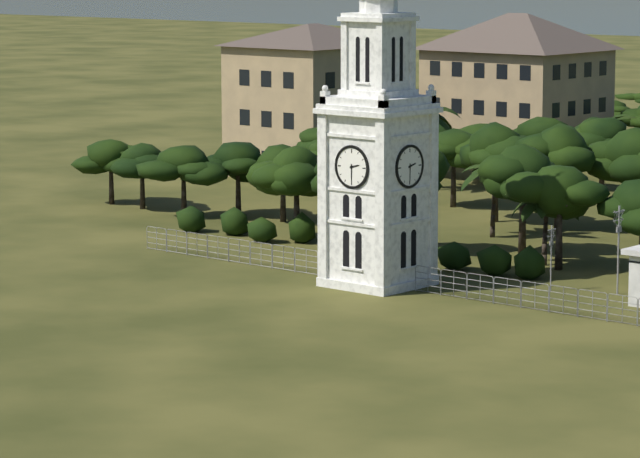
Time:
{"hour": 2, "minute": 30}
